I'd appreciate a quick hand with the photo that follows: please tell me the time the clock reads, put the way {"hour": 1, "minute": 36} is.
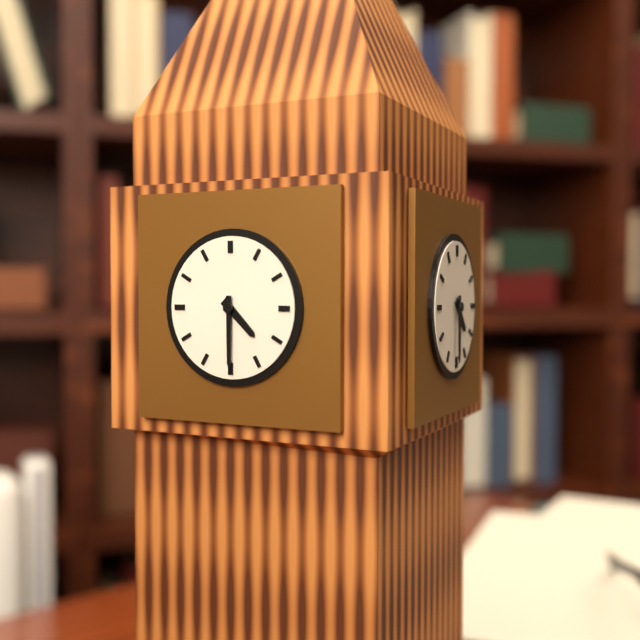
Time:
{"hour": 4, "minute": 30}
